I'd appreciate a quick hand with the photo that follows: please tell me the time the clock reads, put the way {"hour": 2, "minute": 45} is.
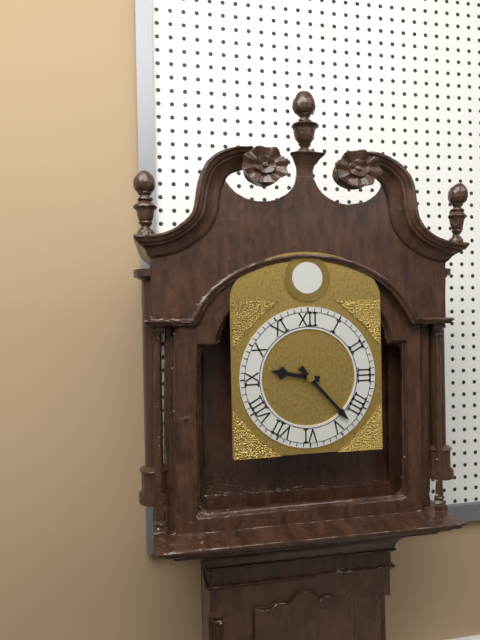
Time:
{"hour": 9, "minute": 23}
